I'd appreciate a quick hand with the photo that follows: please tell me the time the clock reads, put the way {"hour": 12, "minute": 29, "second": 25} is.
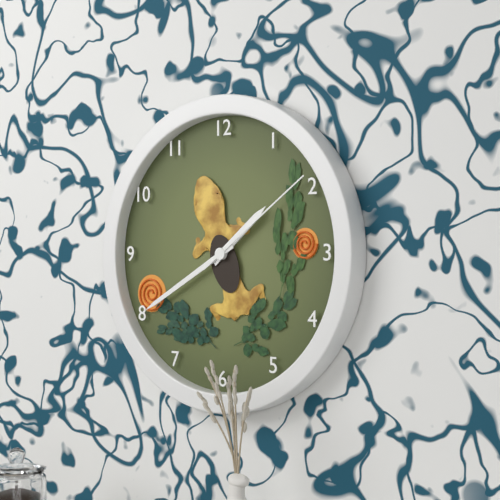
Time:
{"hour": 1, "minute": 40, "second": 9}
